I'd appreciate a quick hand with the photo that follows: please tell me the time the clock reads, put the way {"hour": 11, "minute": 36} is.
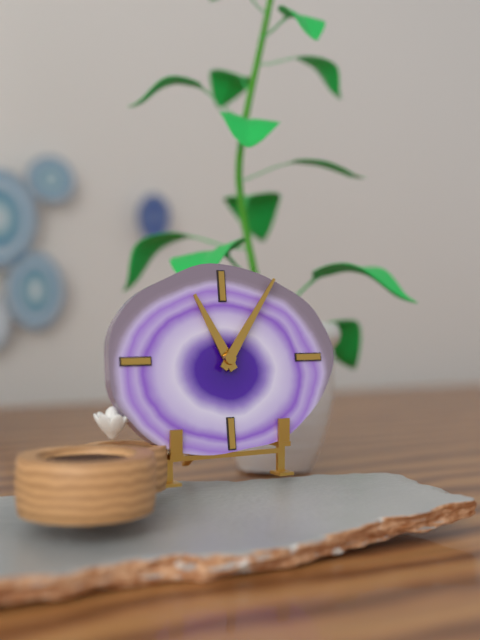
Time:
{"hour": 11, "minute": 6}
